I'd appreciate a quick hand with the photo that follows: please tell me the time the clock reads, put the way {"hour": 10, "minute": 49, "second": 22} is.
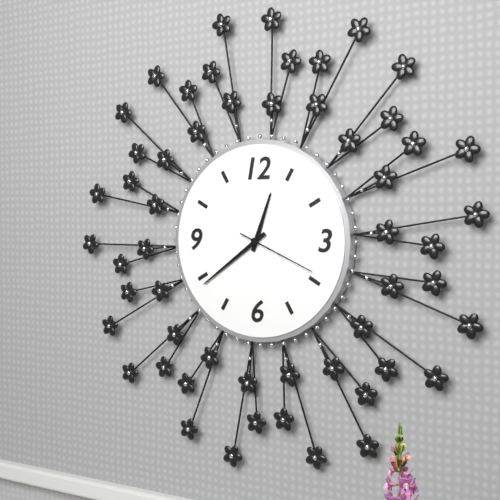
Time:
{"hour": 12, "minute": 39, "second": 19}
